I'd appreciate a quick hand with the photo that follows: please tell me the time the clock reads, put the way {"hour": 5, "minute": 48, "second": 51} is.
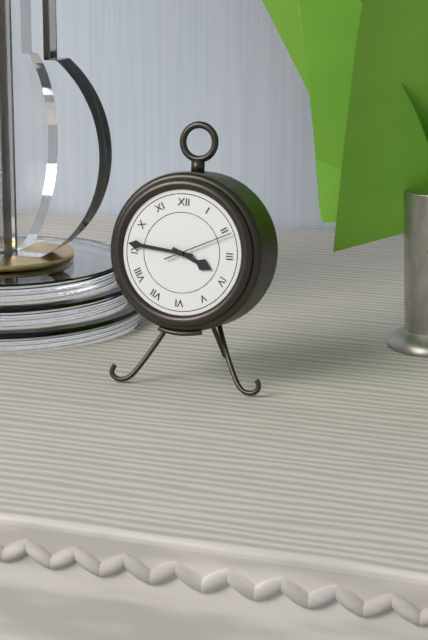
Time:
{"hour": 3, "minute": 46, "second": 11}
